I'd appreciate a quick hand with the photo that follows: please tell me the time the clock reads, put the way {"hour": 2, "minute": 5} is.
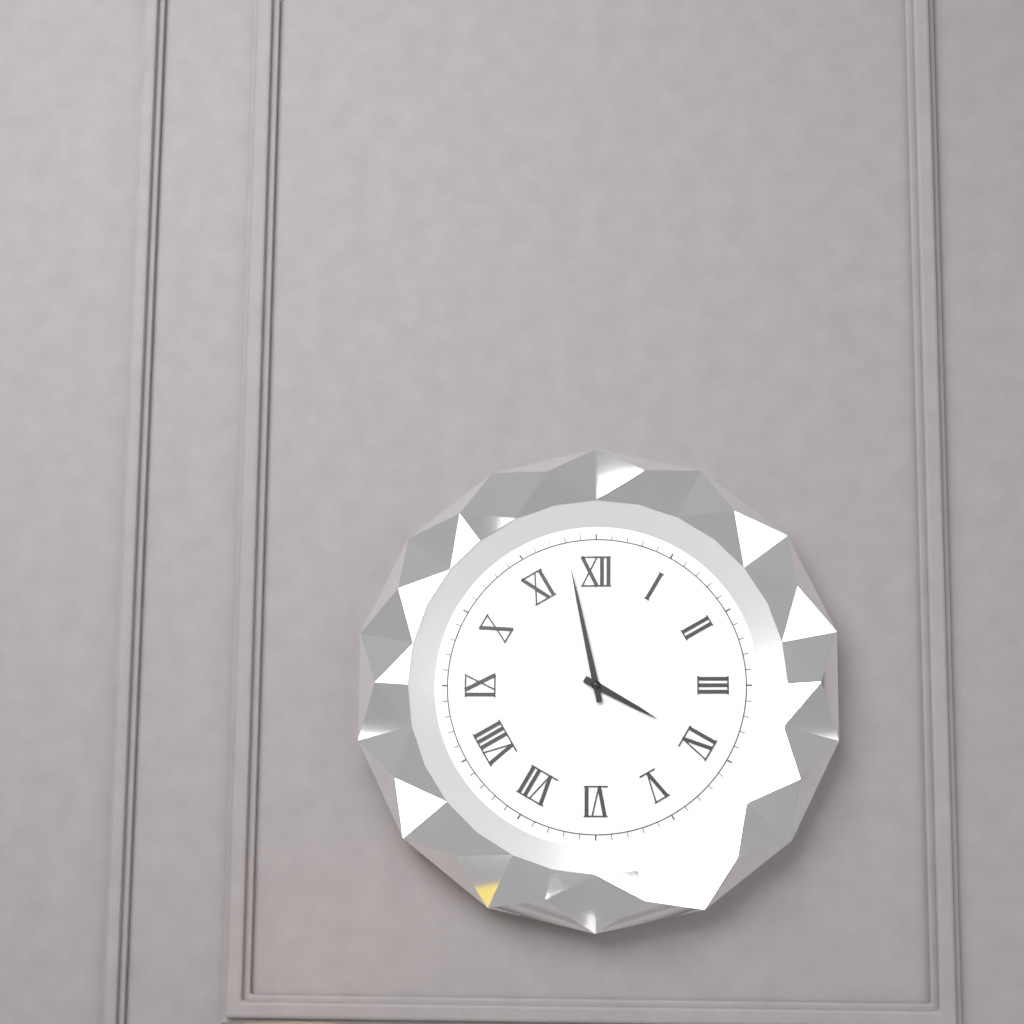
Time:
{"hour": 3, "minute": 58}
